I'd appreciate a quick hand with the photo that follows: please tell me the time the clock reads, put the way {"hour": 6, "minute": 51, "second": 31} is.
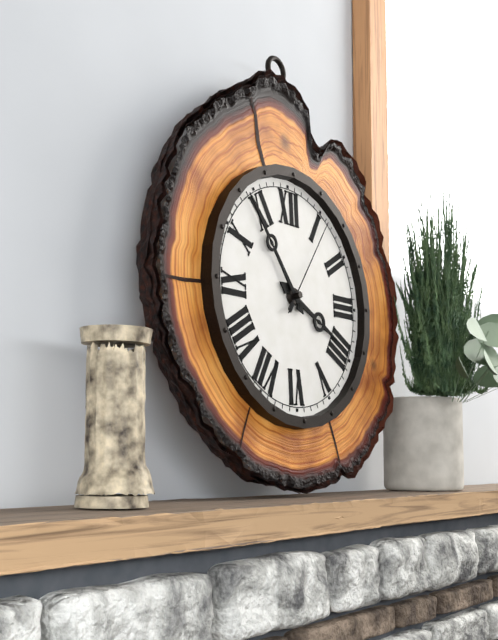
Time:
{"hour": 3, "minute": 54, "second": 6}
